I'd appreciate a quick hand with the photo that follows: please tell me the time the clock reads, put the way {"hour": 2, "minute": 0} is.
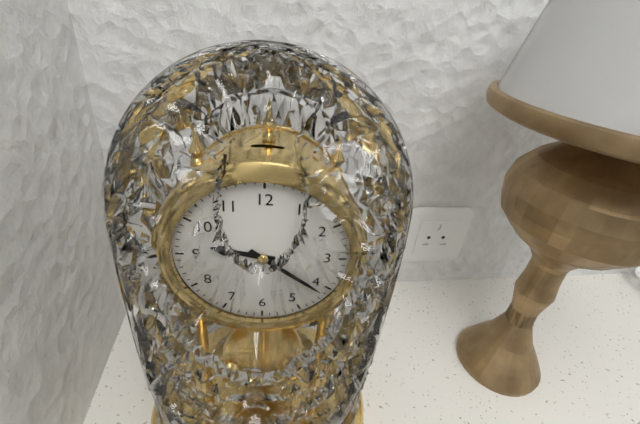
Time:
{"hour": 9, "minute": 21}
